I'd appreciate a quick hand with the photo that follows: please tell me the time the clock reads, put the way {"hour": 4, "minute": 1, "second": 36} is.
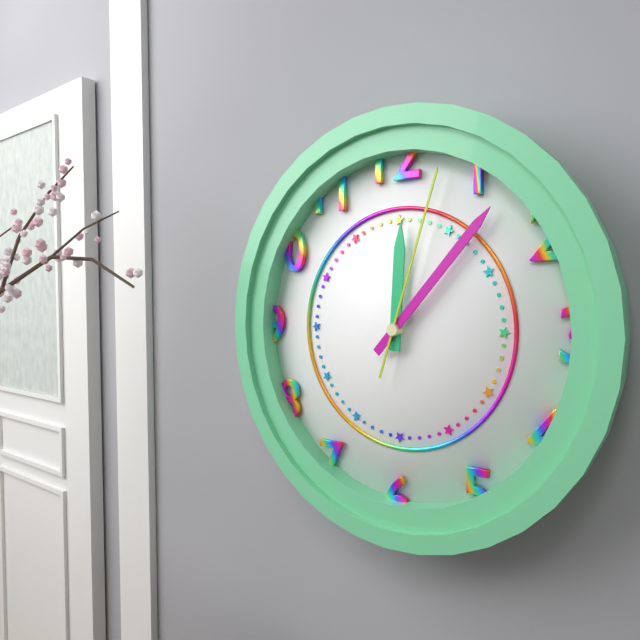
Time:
{"hour": 12, "minute": 7, "second": 3}
